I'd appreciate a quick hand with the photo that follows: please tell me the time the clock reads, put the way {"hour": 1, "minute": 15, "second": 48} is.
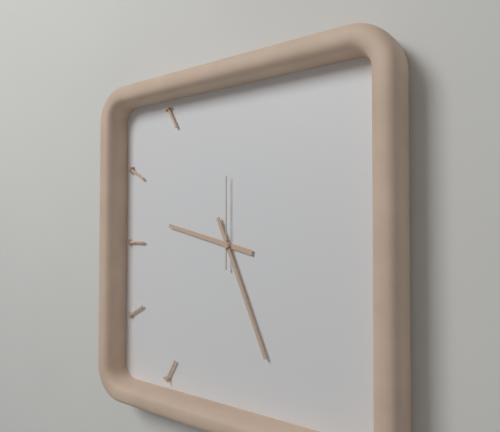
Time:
{"hour": 9, "minute": 26, "second": 0}
